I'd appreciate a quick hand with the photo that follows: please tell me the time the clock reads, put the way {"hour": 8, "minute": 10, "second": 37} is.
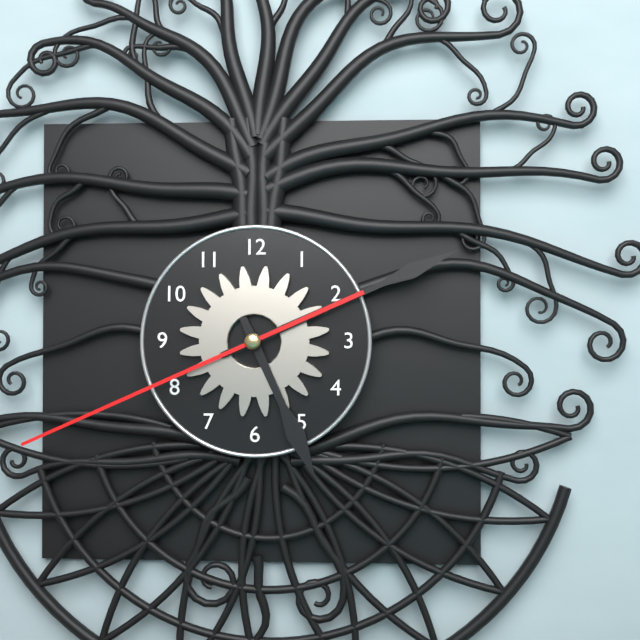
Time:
{"hour": 5, "minute": 11, "second": 41}
